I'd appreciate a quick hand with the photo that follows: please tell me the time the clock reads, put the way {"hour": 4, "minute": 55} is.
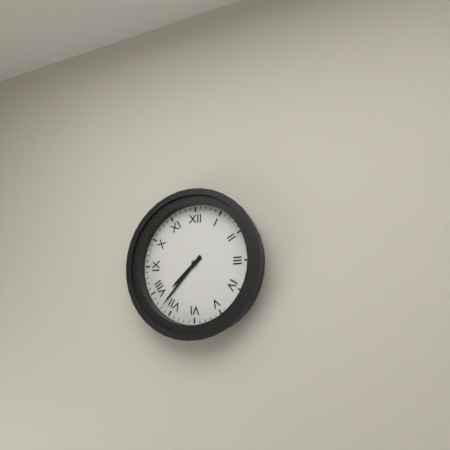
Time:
{"hour": 7, "minute": 37}
